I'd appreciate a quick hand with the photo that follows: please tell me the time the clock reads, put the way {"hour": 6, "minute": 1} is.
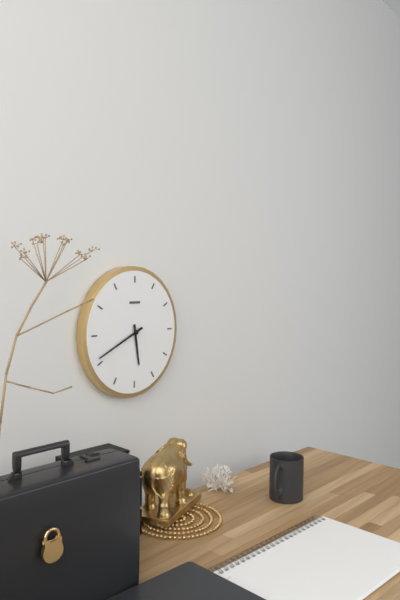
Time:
{"hour": 5, "minute": 41}
